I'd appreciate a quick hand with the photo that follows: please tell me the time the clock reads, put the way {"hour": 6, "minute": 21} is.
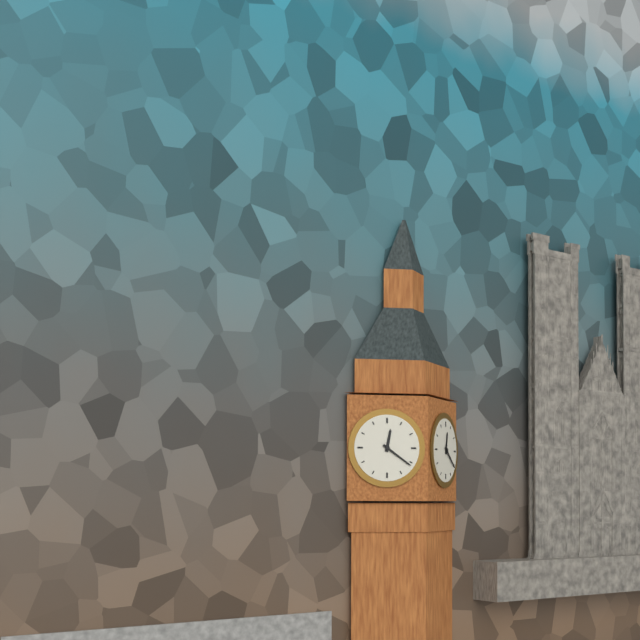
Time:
{"hour": 12, "minute": 21}
